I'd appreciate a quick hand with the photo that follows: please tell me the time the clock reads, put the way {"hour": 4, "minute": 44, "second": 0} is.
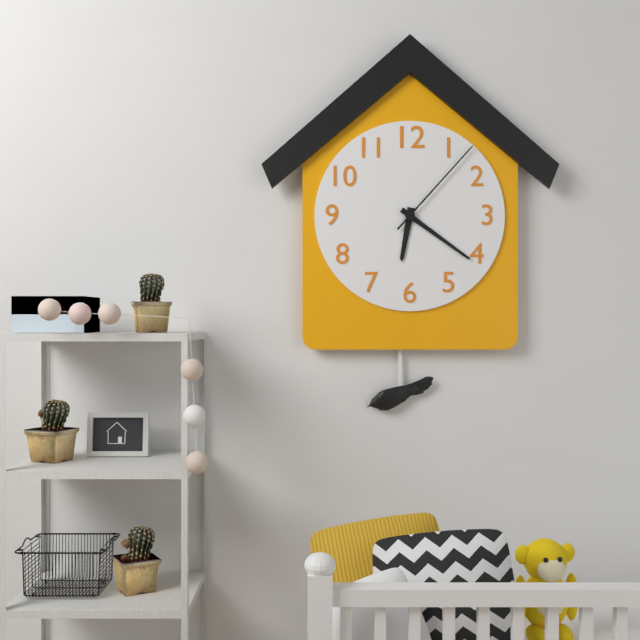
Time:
{"hour": 6, "minute": 21, "second": 7}
